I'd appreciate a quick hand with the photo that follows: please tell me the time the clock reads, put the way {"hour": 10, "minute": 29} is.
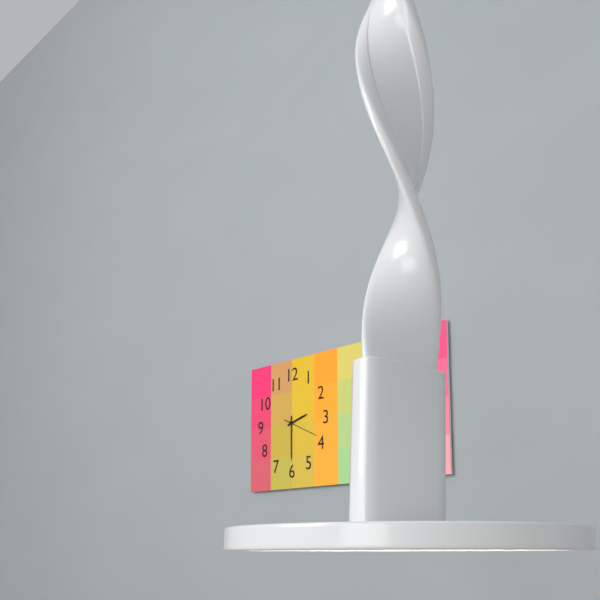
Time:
{"hour": 2, "minute": 30}
